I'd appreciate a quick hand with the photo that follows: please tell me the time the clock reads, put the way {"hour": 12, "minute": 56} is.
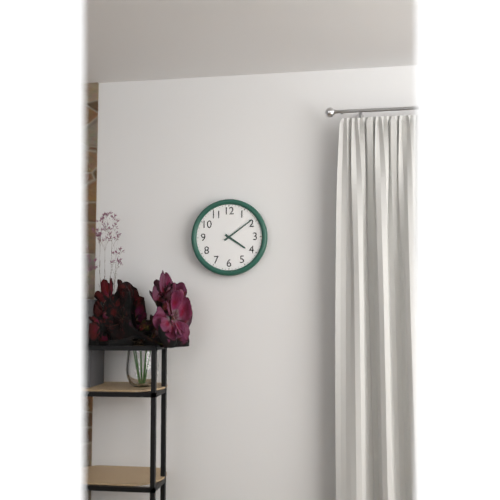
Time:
{"hour": 4, "minute": 9}
